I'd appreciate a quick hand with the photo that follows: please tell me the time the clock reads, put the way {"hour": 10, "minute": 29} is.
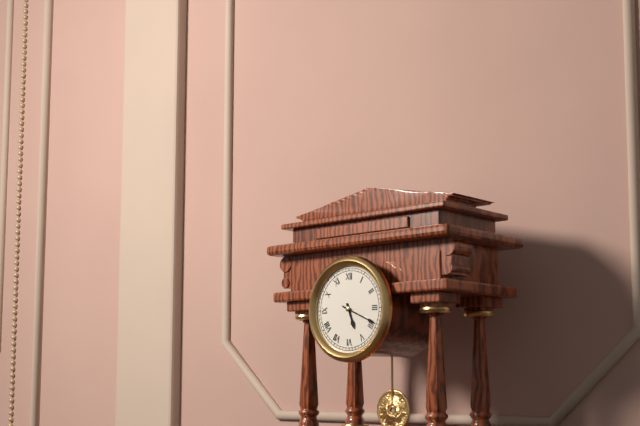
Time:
{"hour": 5, "minute": 19}
